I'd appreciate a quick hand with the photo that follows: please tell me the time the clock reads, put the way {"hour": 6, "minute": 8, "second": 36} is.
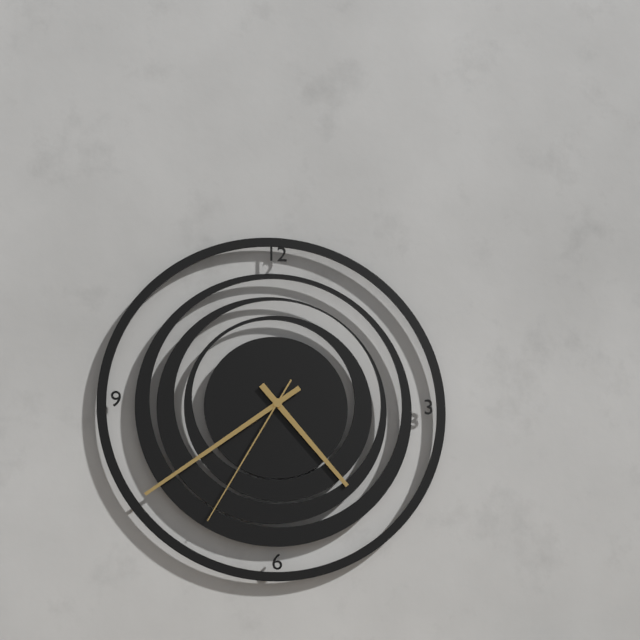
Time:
{"hour": 4, "minute": 39, "second": 35}
